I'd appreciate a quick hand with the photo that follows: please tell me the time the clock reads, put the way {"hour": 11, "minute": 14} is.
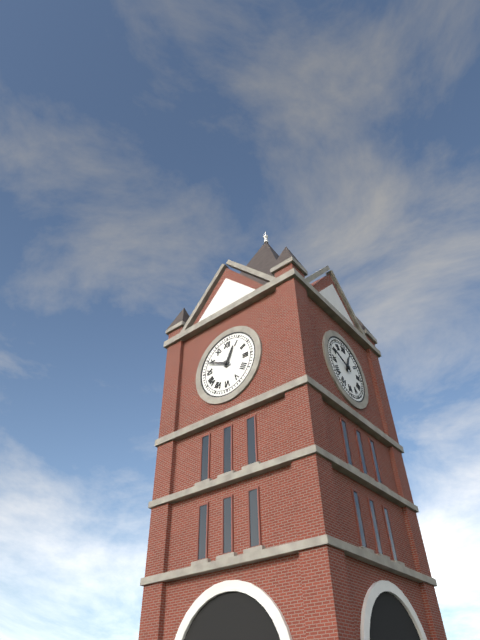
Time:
{"hour": 12, "minute": 49}
